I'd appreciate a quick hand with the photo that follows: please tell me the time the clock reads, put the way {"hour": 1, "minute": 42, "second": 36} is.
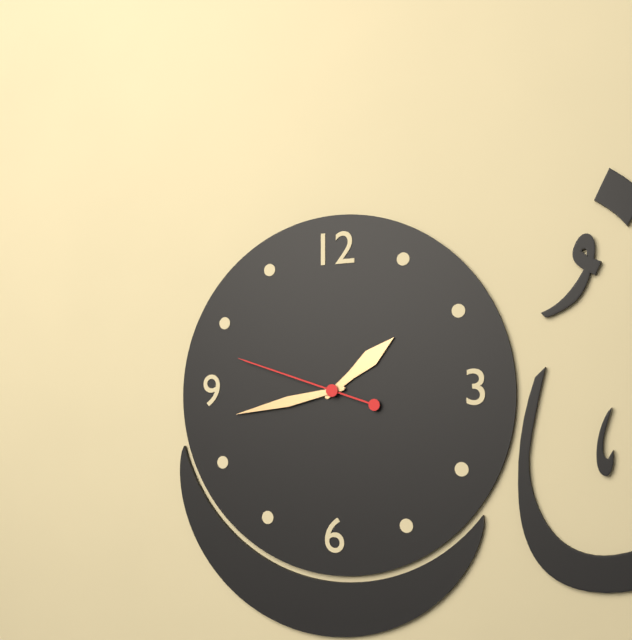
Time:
{"hour": 1, "minute": 43, "second": 48}
